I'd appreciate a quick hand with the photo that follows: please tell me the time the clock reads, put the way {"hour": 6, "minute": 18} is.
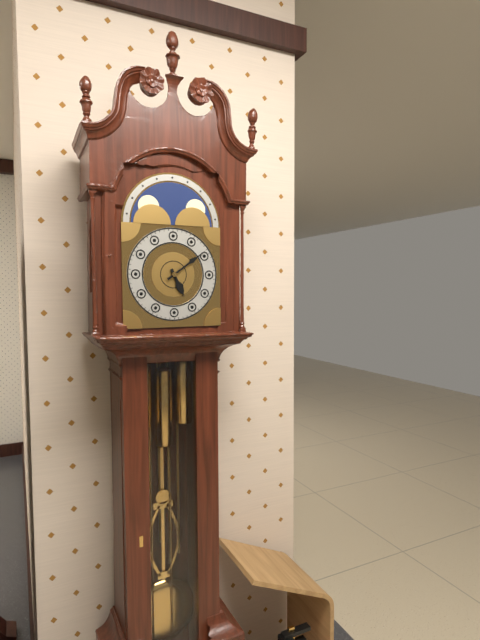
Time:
{"hour": 5, "minute": 9}
